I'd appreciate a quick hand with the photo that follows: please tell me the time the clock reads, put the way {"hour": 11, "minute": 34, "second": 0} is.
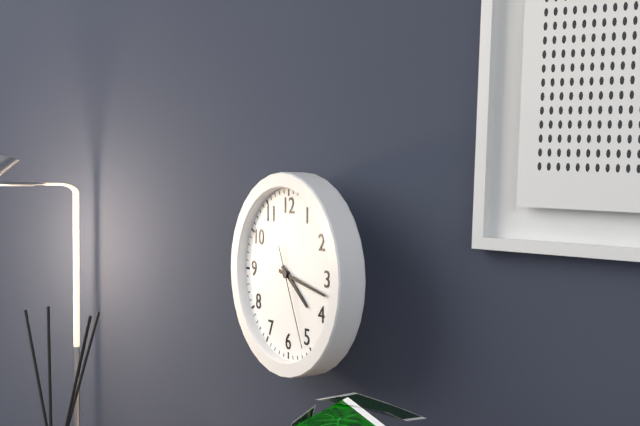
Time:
{"hour": 4, "minute": 17, "second": 26}
